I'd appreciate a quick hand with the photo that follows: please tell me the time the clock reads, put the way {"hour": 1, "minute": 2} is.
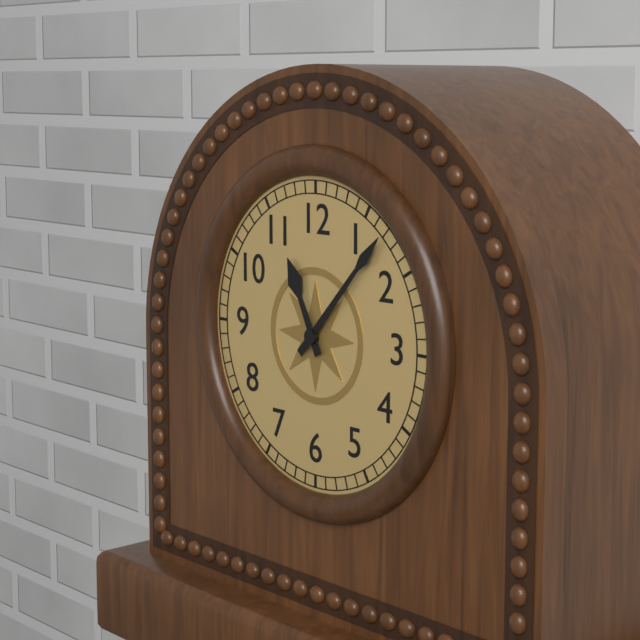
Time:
{"hour": 11, "minute": 7}
